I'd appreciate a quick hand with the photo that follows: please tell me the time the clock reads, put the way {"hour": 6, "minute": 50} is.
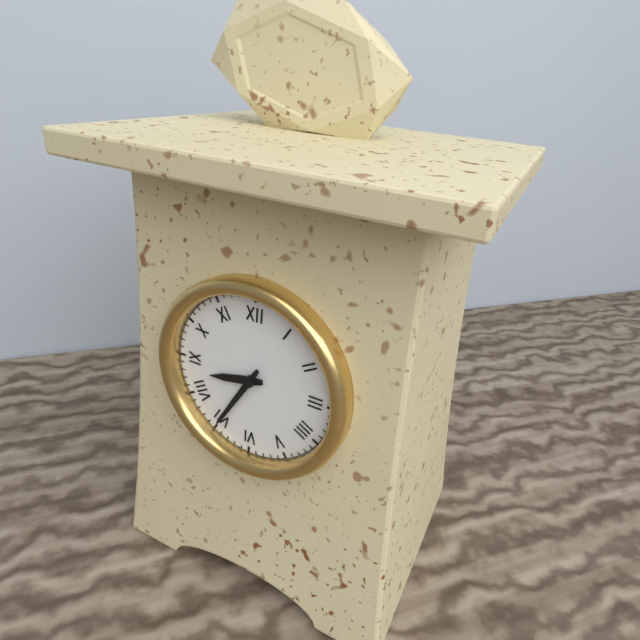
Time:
{"hour": 8, "minute": 35}
